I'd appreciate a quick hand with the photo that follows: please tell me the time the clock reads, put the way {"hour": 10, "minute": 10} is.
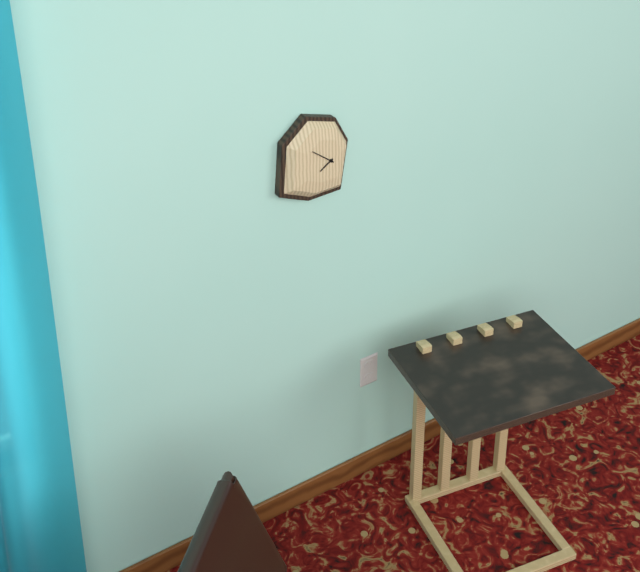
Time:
{"hour": 7, "minute": 51}
